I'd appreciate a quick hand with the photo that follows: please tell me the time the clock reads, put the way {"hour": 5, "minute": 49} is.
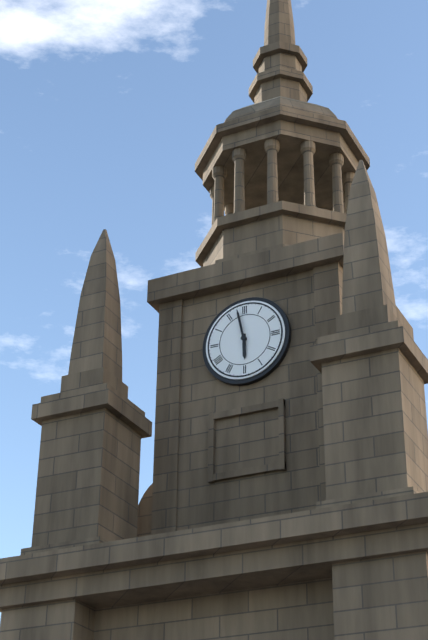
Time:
{"hour": 5, "minute": 58}
